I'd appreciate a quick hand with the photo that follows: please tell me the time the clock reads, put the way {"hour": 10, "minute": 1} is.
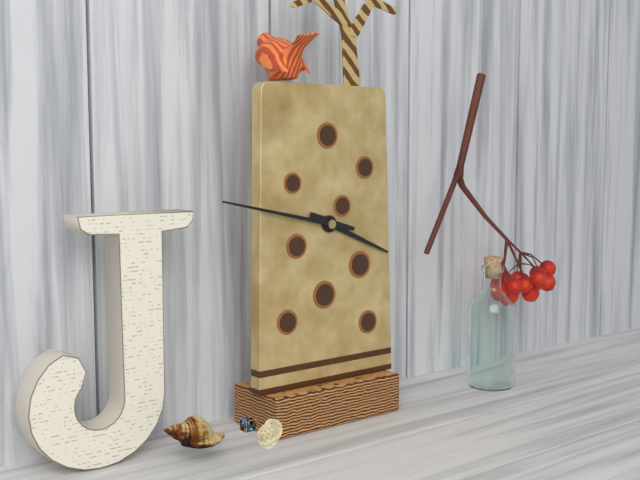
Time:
{"hour": 3, "minute": 47}
